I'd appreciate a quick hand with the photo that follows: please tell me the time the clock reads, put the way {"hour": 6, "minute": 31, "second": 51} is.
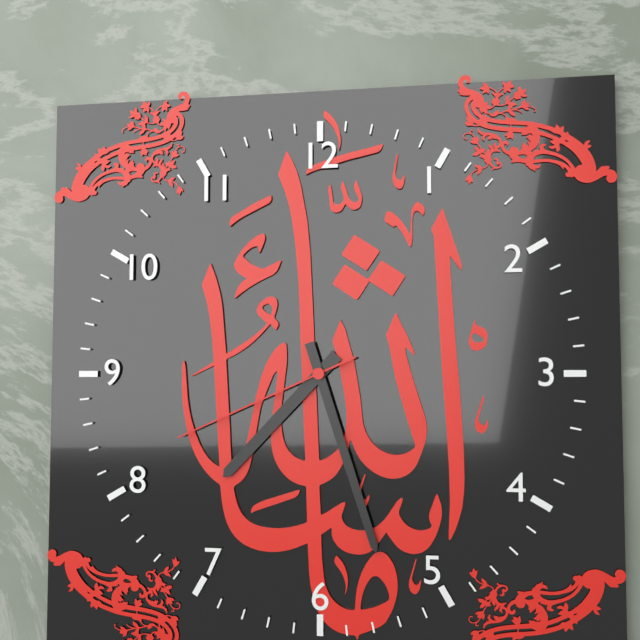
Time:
{"hour": 7, "minute": 27, "second": 41}
